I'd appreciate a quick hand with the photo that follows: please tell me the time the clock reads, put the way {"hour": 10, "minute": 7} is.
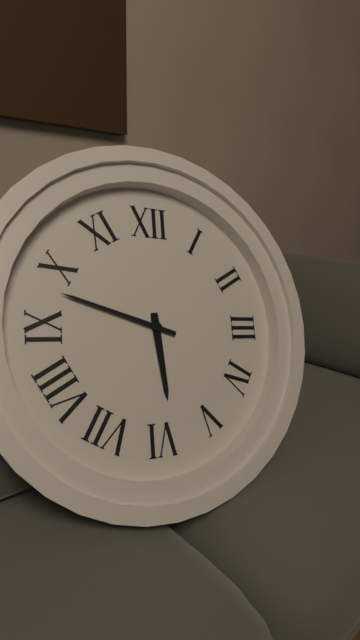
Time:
{"hour": 5, "minute": 48}
